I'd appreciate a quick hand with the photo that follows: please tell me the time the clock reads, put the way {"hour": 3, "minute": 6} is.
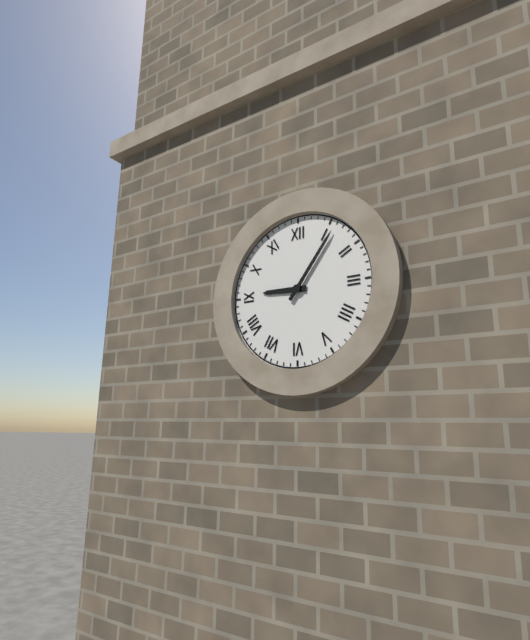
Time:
{"hour": 9, "minute": 6}
